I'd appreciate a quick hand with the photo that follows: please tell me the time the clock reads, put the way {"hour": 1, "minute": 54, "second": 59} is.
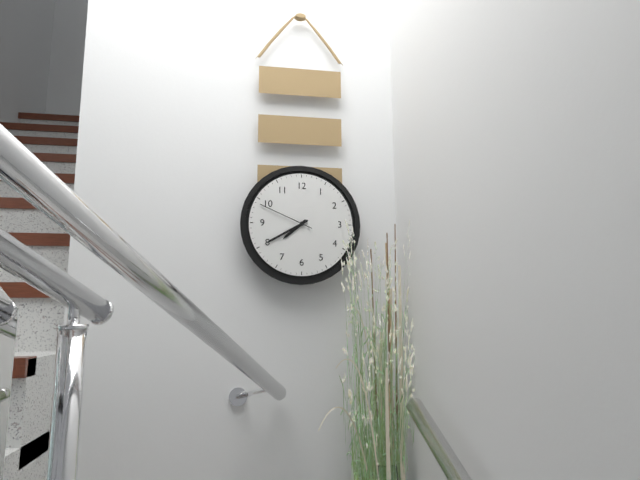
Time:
{"hour": 7, "minute": 40, "second": 49}
